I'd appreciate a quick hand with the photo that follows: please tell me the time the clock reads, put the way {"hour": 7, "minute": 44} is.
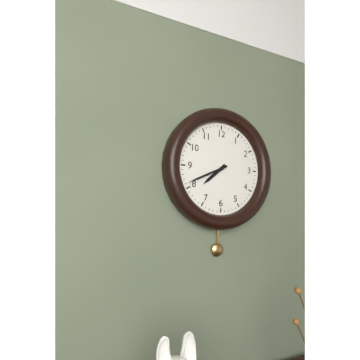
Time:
{"hour": 7, "minute": 41}
